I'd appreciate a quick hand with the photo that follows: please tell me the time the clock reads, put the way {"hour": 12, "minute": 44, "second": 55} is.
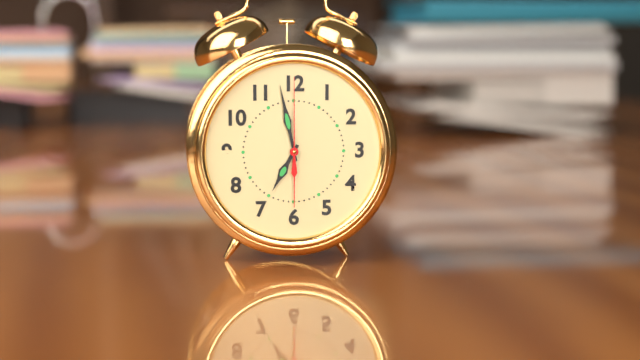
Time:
{"hour": 6, "minute": 58, "second": 0}
